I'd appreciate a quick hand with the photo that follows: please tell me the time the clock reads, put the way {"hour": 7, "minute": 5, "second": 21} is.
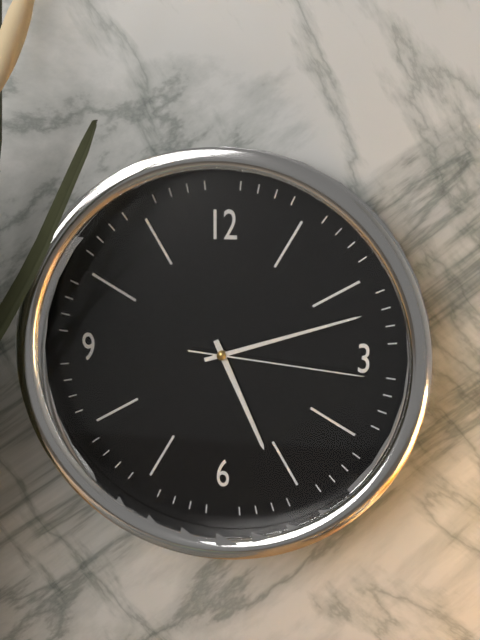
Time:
{"hour": 5, "minute": 12, "second": 16}
